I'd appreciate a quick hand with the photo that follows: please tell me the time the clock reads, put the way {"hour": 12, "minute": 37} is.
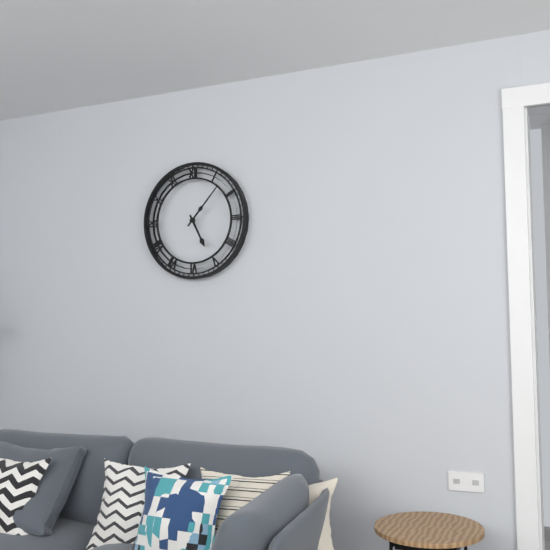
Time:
{"hour": 5, "minute": 7}
